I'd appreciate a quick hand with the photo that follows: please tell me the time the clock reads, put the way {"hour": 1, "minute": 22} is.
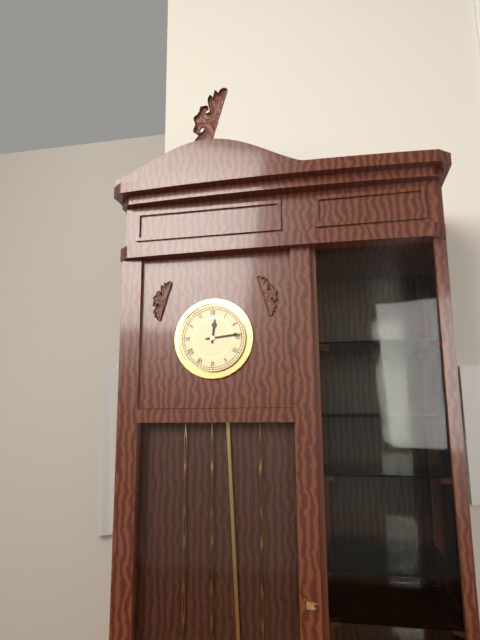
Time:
{"hour": 12, "minute": 14}
